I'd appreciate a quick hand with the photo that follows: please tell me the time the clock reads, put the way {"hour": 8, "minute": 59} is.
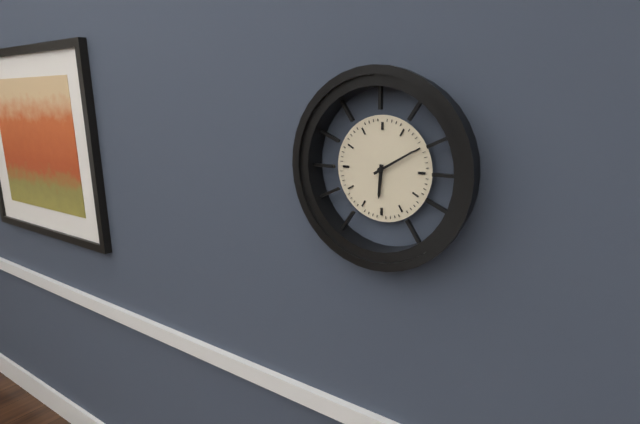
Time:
{"hour": 6, "minute": 10}
